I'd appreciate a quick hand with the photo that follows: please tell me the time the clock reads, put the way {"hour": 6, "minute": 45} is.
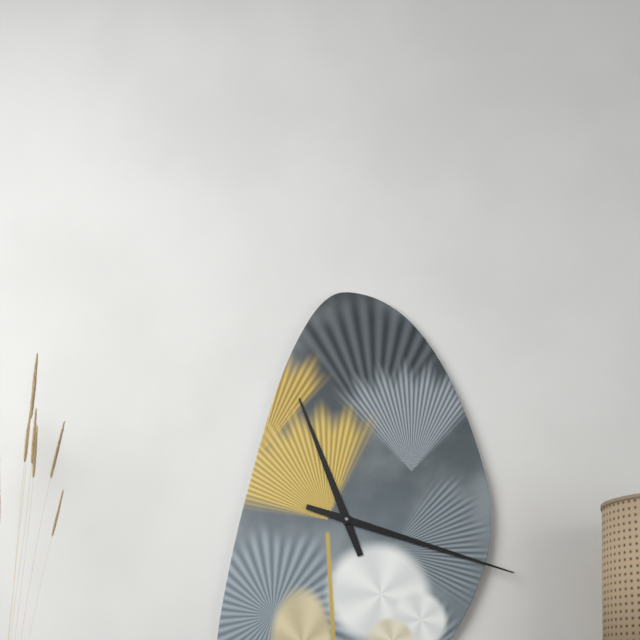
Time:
{"hour": 11, "minute": 18}
